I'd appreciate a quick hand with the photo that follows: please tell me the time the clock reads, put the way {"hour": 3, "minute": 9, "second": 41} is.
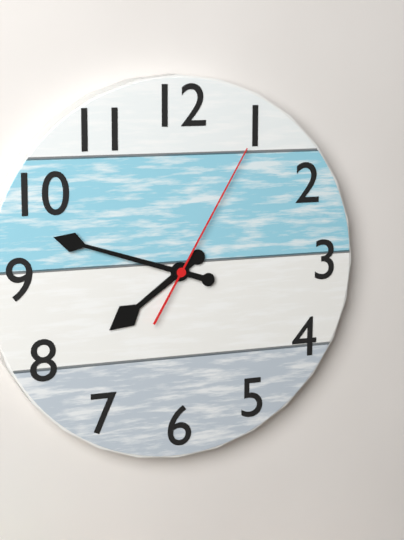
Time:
{"hour": 7, "minute": 48, "second": 5}
